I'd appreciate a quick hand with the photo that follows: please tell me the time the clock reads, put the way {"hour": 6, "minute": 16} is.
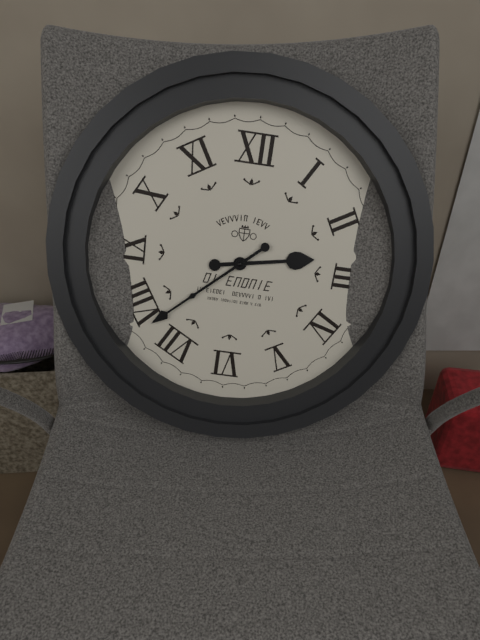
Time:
{"hour": 2, "minute": 38}
